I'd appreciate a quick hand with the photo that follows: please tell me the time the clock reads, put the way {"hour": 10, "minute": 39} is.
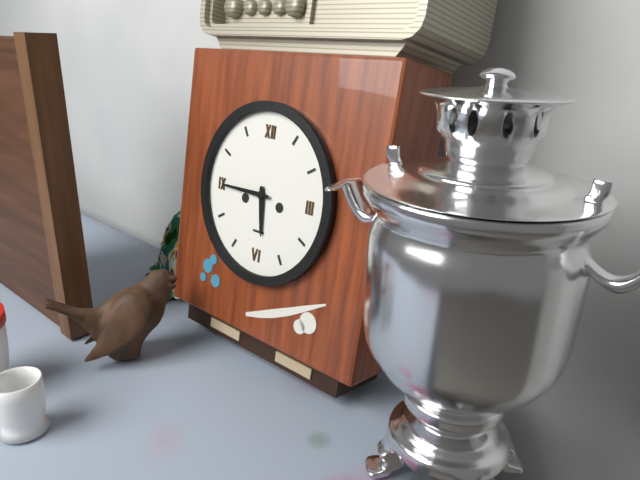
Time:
{"hour": 5, "minute": 45}
